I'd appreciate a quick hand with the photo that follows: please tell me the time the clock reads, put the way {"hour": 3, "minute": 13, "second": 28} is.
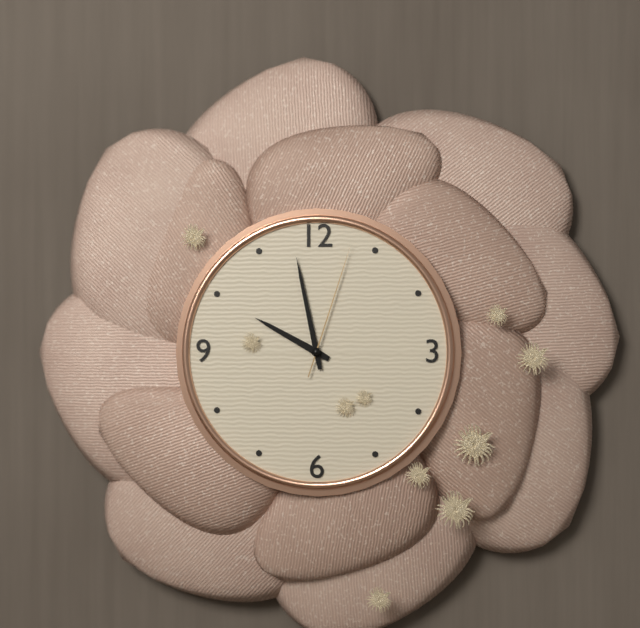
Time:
{"hour": 9, "minute": 58, "second": 3}
